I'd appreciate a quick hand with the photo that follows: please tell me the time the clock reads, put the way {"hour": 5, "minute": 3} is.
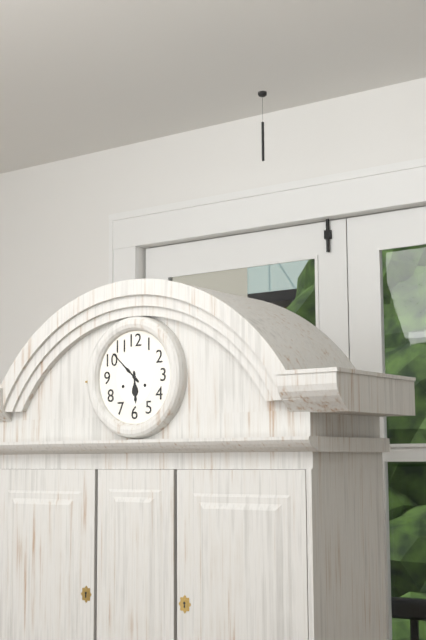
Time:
{"hour": 5, "minute": 52}
